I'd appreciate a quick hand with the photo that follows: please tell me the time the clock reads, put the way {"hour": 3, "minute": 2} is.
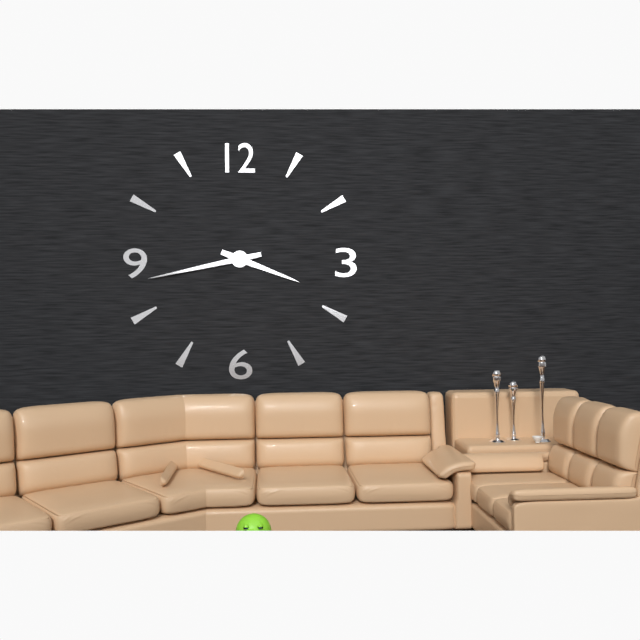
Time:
{"hour": 3, "minute": 43}
